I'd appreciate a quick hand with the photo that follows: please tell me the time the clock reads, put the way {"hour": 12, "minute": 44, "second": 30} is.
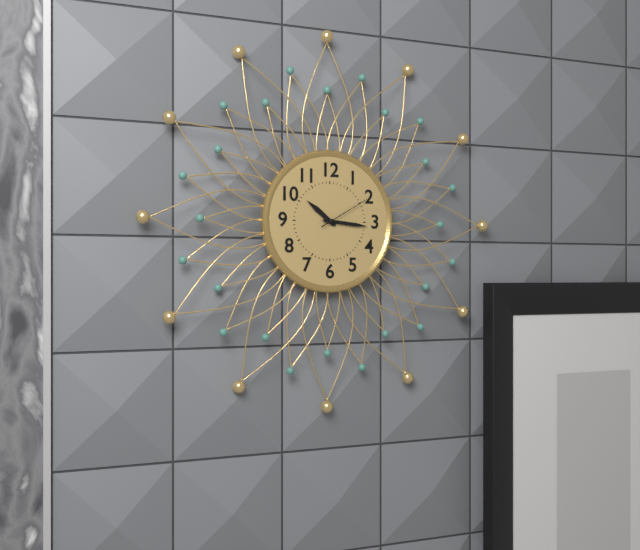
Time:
{"hour": 10, "minute": 16, "second": 10}
